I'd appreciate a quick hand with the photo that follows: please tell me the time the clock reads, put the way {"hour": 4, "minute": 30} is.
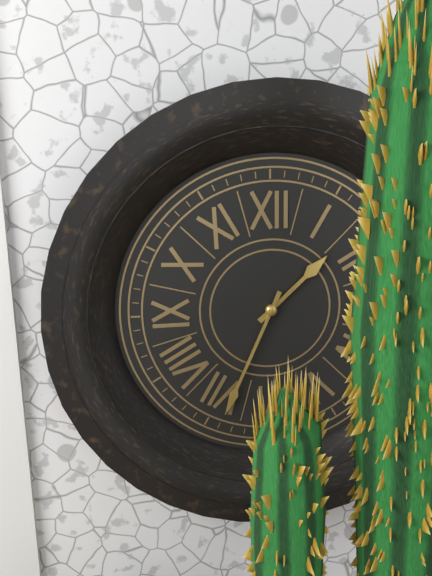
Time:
{"hour": 1, "minute": 34}
